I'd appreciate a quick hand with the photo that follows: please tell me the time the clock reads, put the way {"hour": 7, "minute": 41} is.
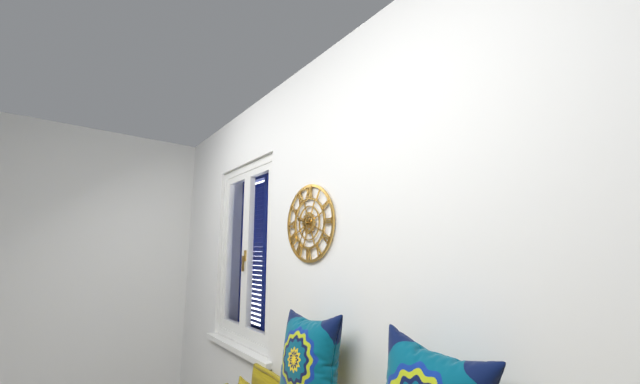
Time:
{"hour": 9, "minute": 35}
